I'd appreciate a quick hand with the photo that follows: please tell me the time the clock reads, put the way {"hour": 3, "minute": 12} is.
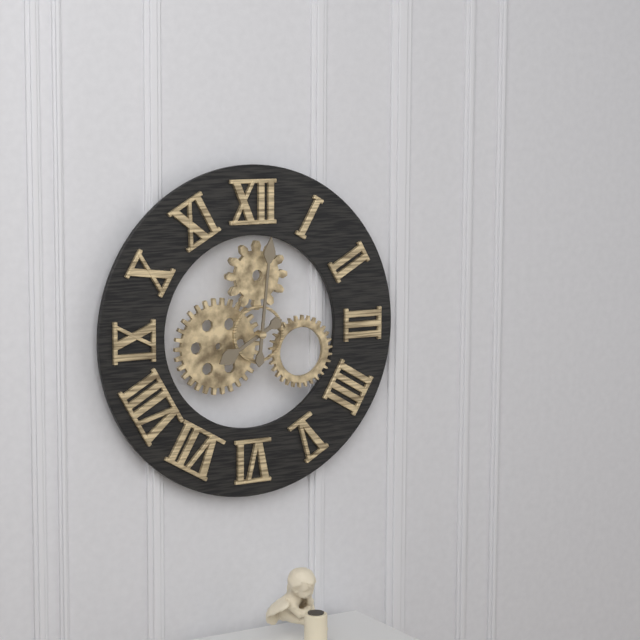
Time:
{"hour": 8, "minute": 1}
